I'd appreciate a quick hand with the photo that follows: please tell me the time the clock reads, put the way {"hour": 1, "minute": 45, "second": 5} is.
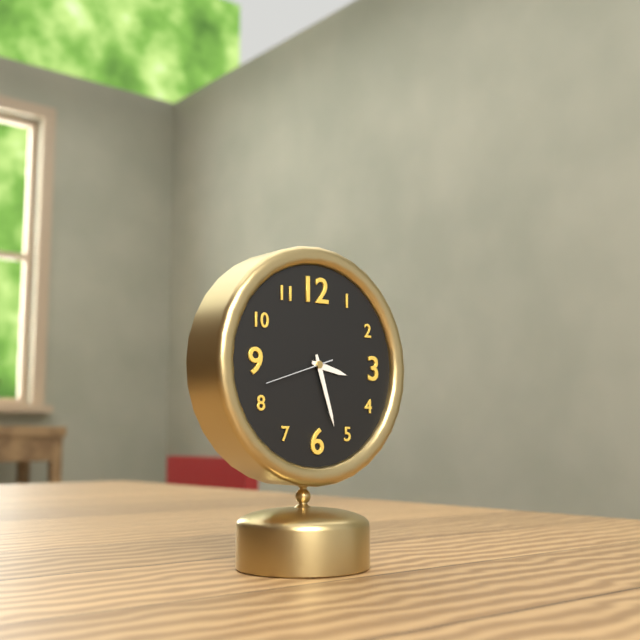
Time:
{"hour": 3, "minute": 27, "second": 42}
